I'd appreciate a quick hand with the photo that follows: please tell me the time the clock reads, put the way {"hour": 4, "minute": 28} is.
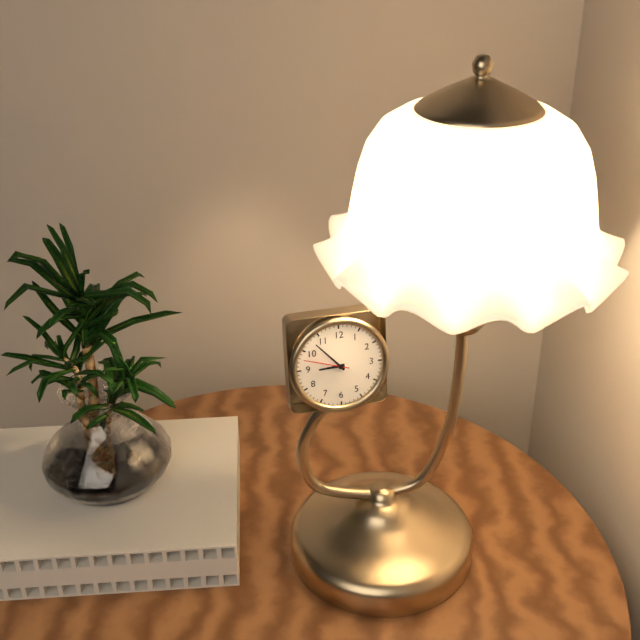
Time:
{"hour": 8, "minute": 53}
